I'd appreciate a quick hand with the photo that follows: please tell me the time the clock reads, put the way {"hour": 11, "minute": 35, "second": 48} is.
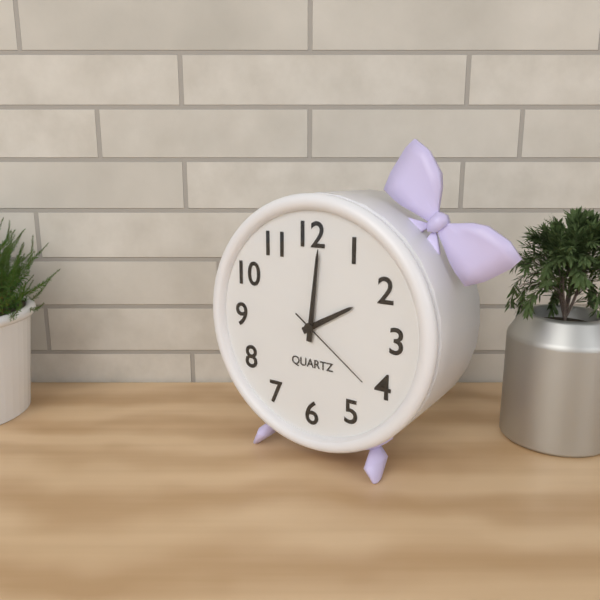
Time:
{"hour": 2, "minute": 1, "second": 21}
